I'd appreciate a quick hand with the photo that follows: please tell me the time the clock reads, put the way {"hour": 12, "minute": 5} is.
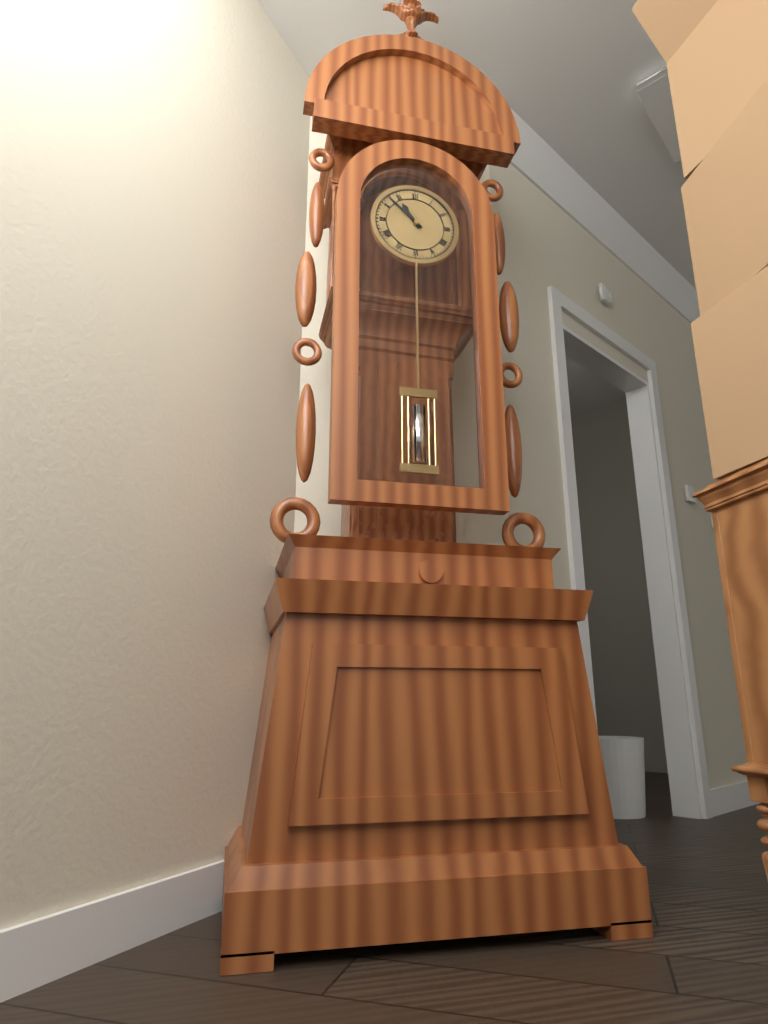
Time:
{"hour": 10, "minute": 52}
